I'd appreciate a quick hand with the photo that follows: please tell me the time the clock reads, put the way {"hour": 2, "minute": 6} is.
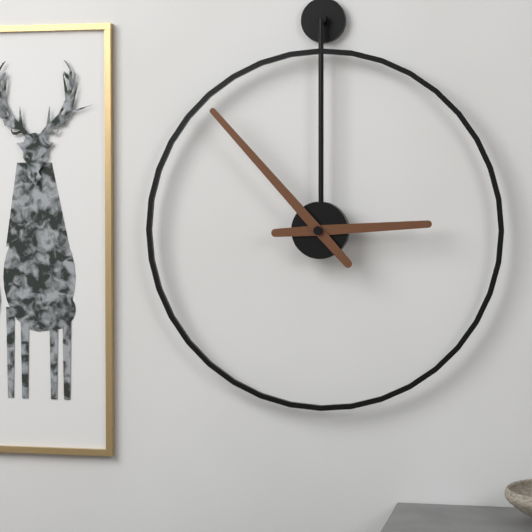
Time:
{"hour": 2, "minute": 53}
